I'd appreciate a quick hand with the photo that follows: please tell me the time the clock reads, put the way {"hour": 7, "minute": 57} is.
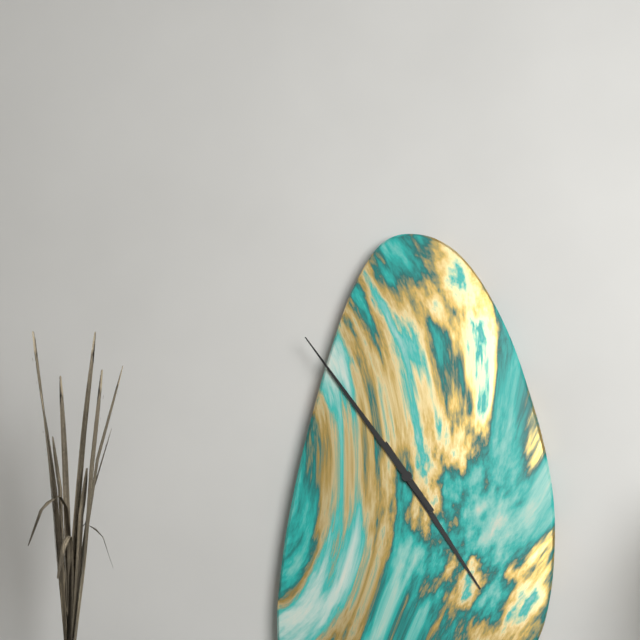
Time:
{"hour": 4, "minute": 54}
